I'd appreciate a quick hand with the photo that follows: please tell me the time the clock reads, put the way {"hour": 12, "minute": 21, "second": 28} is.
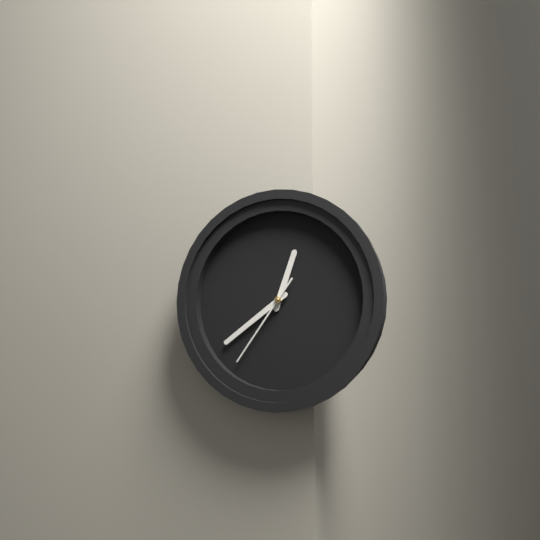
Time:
{"hour": 12, "minute": 39, "second": 36}
